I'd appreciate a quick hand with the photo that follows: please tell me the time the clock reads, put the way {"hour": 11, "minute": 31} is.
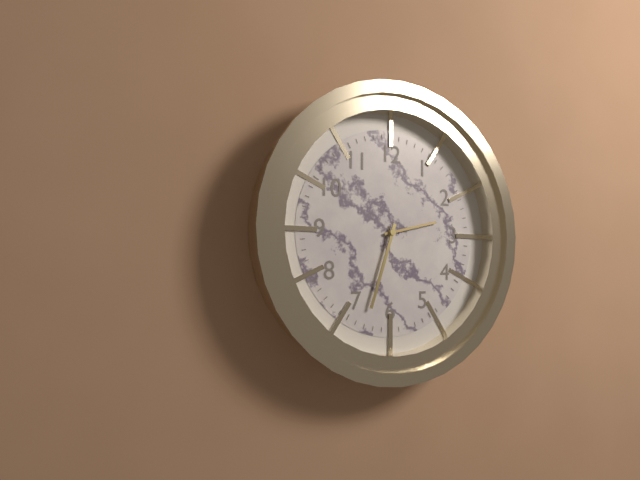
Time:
{"hour": 2, "minute": 33}
